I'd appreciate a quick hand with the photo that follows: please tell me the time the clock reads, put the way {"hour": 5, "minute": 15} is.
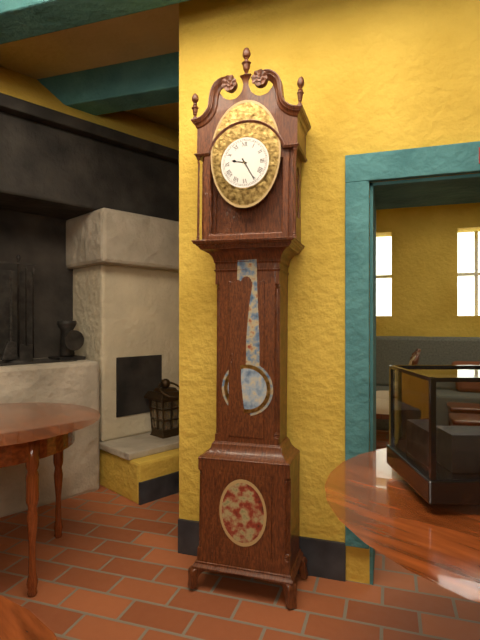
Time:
{"hour": 9, "minute": 25}
